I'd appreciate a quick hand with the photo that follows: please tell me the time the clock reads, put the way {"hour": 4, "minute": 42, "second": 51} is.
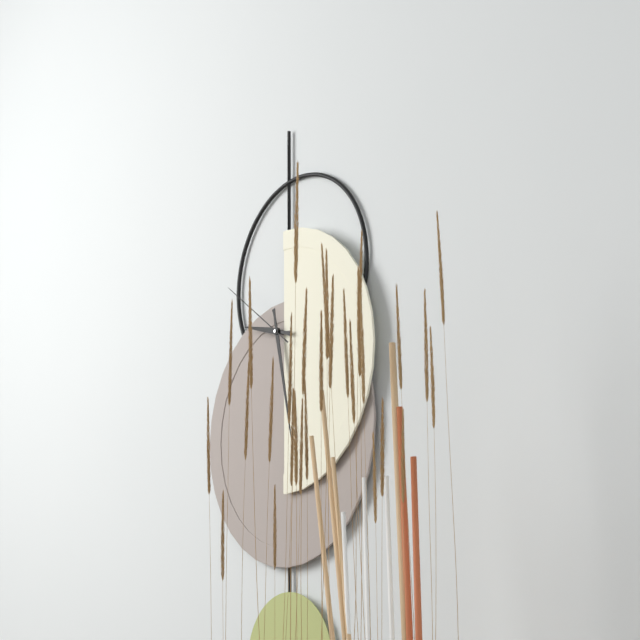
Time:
{"hour": 9, "minute": 28, "second": 51}
